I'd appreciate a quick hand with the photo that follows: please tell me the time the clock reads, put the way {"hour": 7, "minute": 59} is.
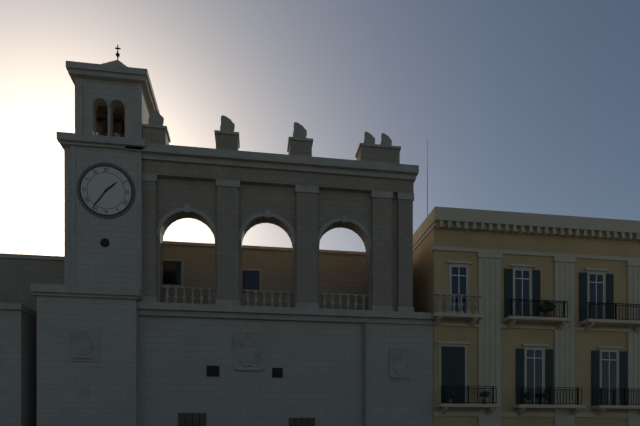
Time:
{"hour": 1, "minute": 36}
